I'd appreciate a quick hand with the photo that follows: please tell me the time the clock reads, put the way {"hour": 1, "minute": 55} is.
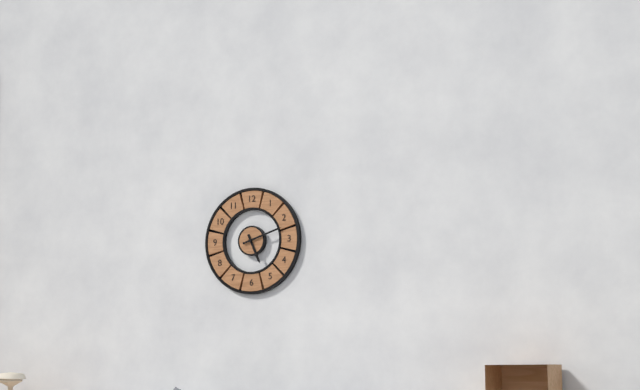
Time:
{"hour": 5, "minute": 12}
